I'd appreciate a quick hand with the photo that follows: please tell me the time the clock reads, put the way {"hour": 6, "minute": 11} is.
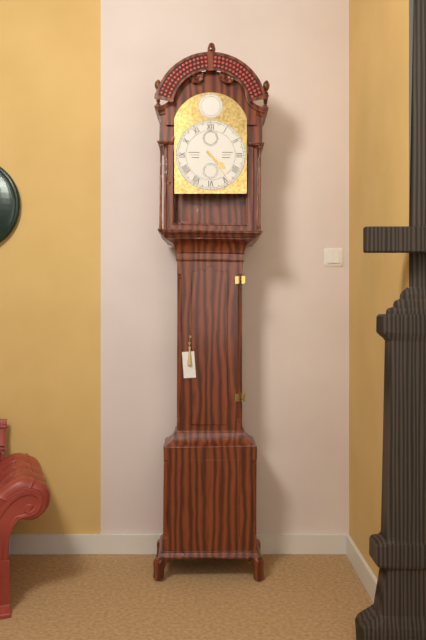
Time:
{"hour": 4, "minute": 24}
